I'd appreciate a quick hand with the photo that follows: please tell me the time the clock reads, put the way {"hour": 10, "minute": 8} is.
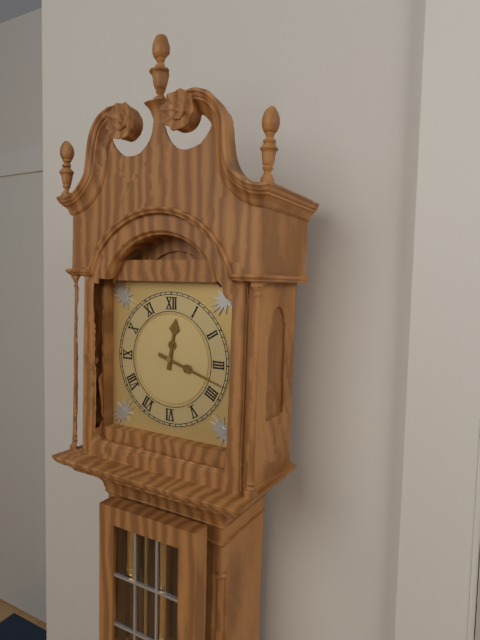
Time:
{"hour": 12, "minute": 18}
